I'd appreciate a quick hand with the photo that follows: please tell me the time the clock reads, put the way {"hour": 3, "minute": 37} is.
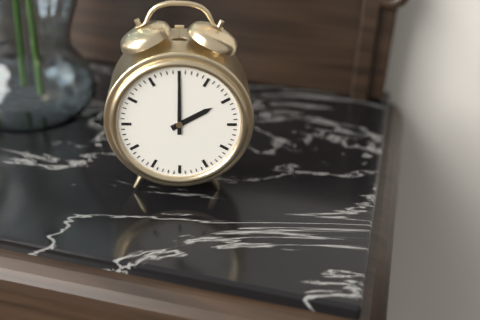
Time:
{"hour": 2, "minute": 0}
